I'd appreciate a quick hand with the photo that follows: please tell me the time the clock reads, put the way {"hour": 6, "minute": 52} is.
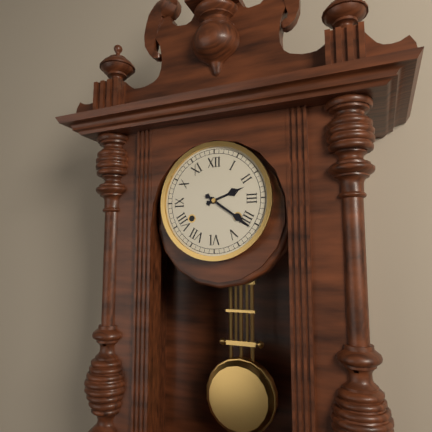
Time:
{"hour": 2, "minute": 21}
